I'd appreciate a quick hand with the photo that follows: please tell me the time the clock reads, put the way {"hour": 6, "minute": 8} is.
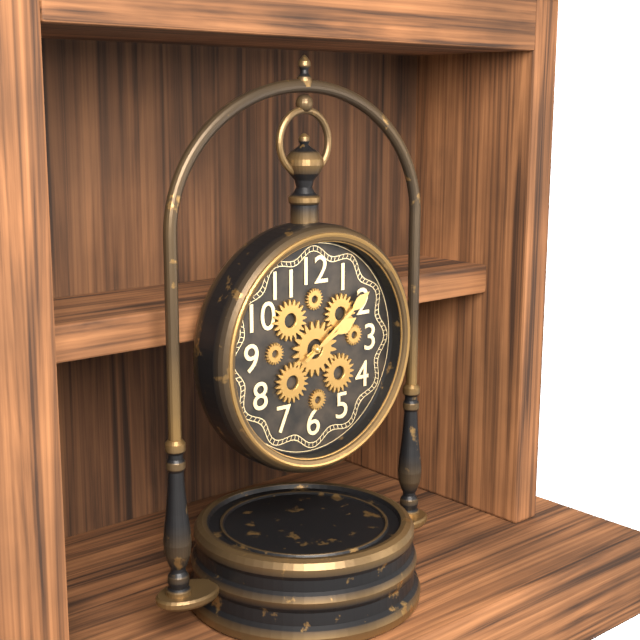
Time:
{"hour": 2, "minute": 9}
